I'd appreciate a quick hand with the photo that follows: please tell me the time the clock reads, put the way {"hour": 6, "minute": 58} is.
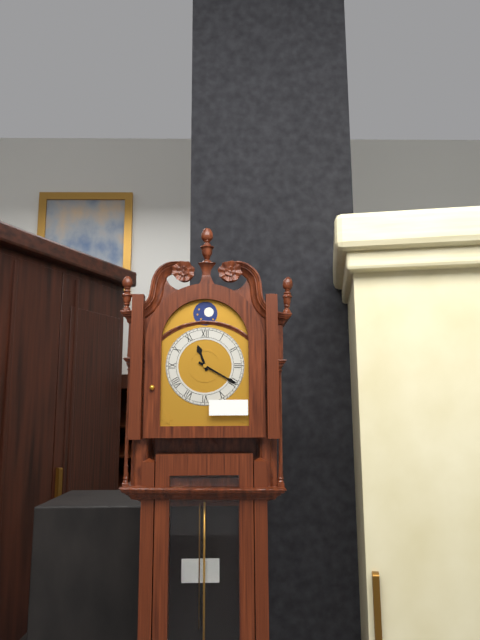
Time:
{"hour": 11, "minute": 20}
